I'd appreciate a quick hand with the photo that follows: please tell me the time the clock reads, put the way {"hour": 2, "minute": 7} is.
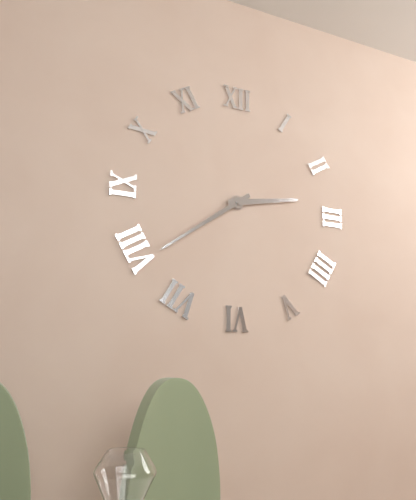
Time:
{"hour": 2, "minute": 39}
